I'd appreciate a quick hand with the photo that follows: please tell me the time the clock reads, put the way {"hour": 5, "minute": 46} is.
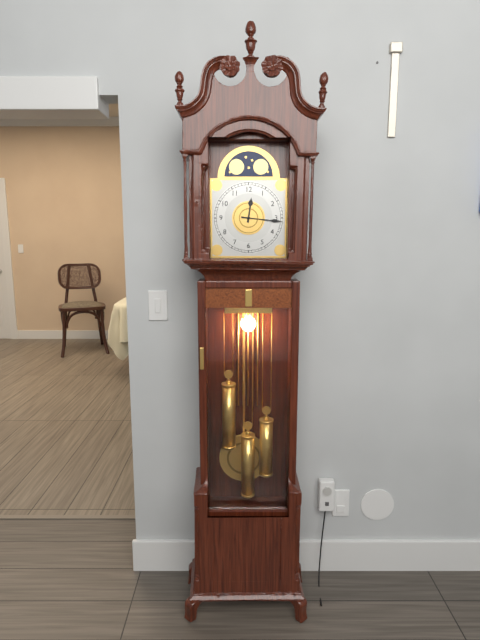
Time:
{"hour": 12, "minute": 16}
